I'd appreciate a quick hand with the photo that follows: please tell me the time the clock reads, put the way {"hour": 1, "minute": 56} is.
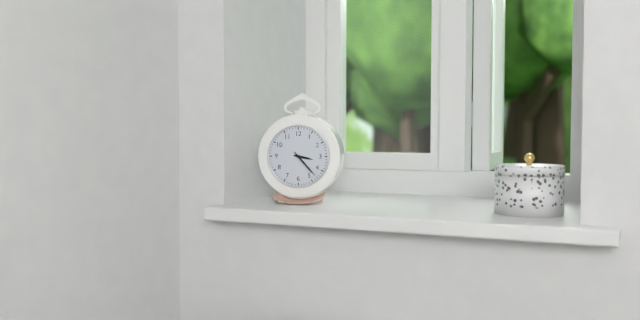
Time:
{"hour": 3, "minute": 23}
